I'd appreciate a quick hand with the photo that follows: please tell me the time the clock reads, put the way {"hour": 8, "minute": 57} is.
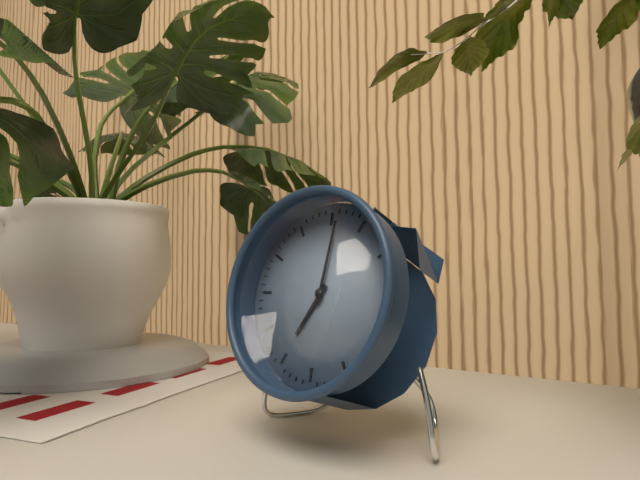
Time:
{"hour": 7, "minute": 1}
